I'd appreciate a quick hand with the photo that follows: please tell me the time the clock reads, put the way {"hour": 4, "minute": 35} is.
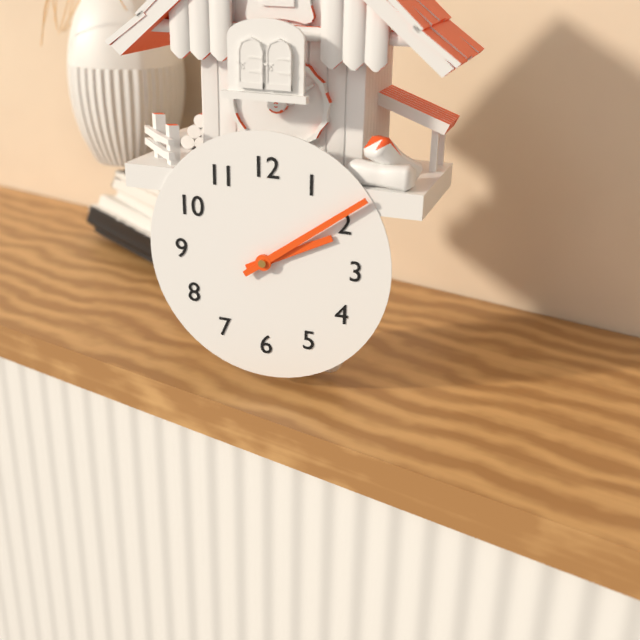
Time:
{"hour": 2, "minute": 9}
